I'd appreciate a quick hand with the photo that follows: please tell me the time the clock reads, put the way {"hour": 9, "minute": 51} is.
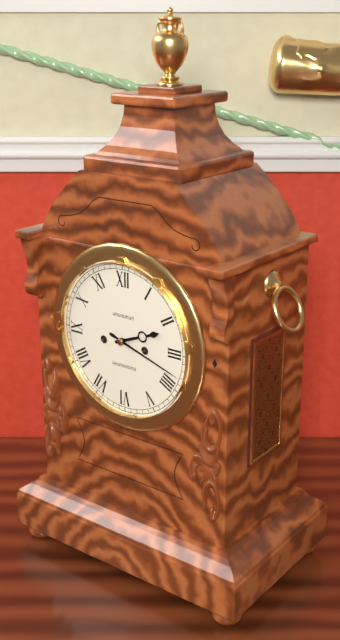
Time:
{"hour": 2, "minute": 18}
